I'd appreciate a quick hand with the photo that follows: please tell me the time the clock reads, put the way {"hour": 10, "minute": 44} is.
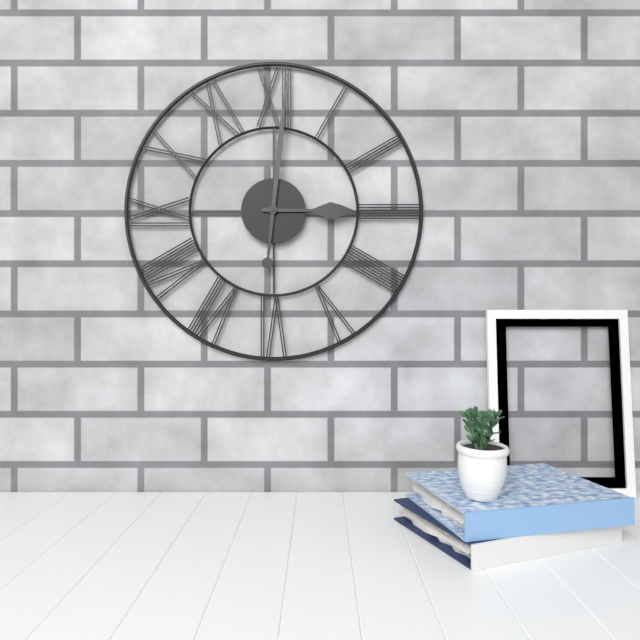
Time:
{"hour": 3, "minute": 1}
